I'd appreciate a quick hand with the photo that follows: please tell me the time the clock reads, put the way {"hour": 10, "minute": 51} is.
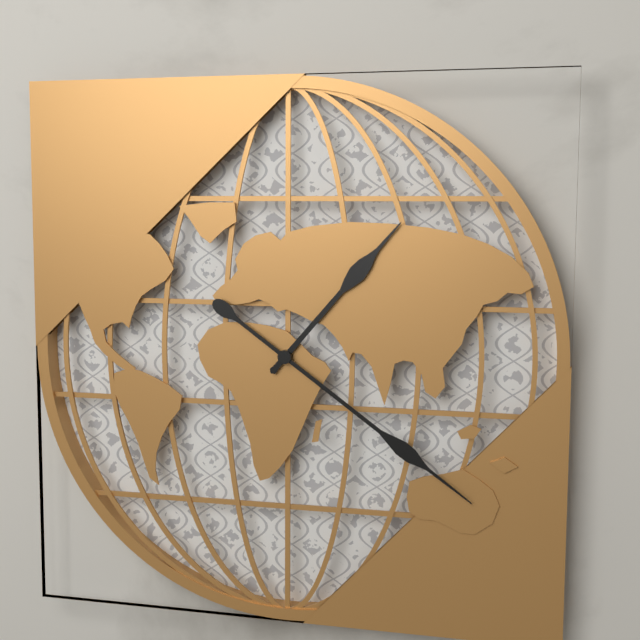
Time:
{"hour": 1, "minute": 21}
